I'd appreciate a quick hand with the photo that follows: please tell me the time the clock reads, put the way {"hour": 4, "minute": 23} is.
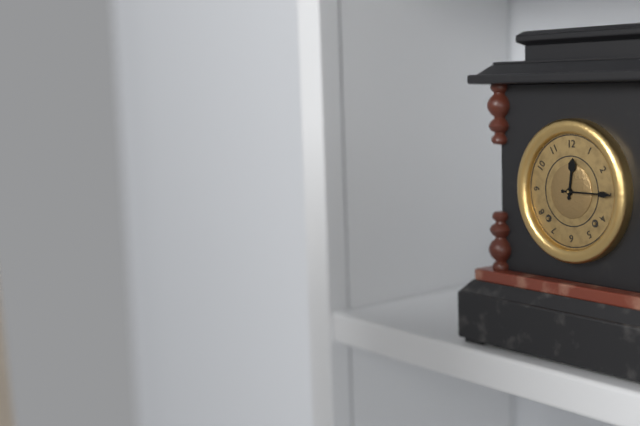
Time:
{"hour": 12, "minute": 15}
